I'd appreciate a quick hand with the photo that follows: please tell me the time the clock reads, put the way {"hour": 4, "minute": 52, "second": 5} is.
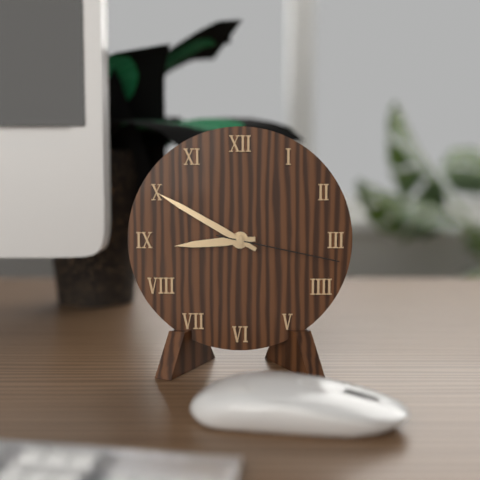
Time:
{"hour": 8, "minute": 50, "second": 17}
